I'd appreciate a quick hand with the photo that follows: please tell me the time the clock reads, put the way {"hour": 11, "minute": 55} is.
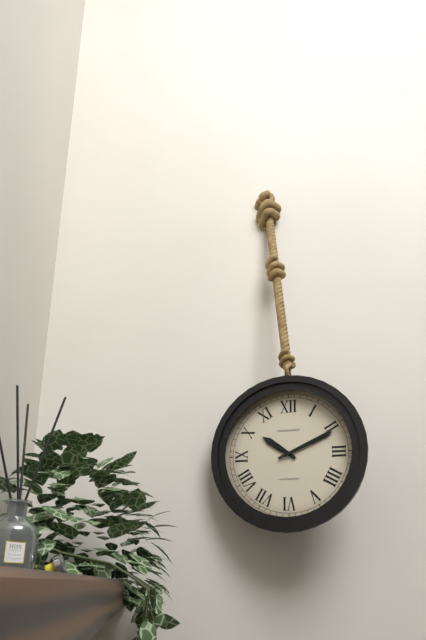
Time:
{"hour": 10, "minute": 11}
